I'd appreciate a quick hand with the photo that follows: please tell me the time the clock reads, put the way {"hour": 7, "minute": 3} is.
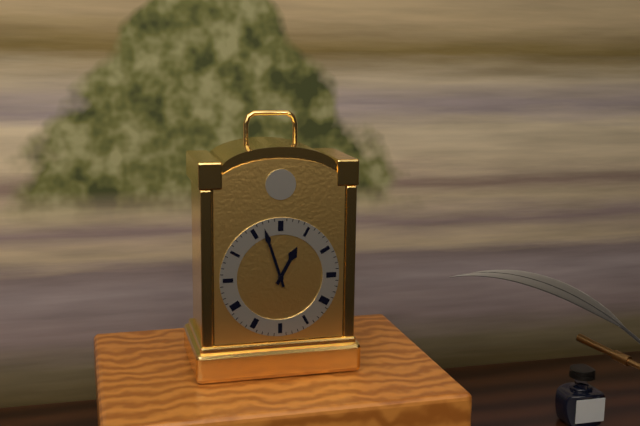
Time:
{"hour": 12, "minute": 57}
